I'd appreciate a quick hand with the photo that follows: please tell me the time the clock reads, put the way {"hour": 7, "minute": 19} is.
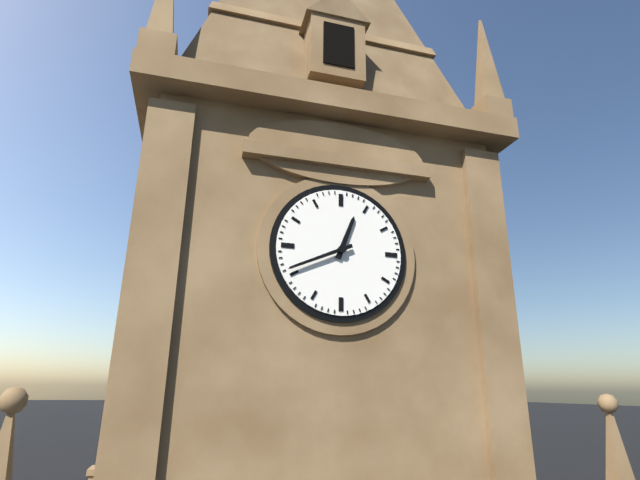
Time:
{"hour": 12, "minute": 41}
